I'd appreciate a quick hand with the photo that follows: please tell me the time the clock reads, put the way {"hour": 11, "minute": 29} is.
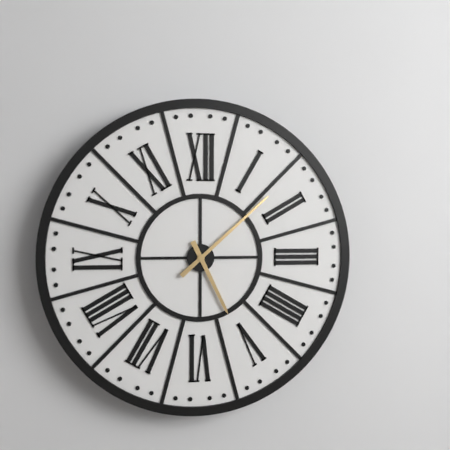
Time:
{"hour": 5, "minute": 8}
